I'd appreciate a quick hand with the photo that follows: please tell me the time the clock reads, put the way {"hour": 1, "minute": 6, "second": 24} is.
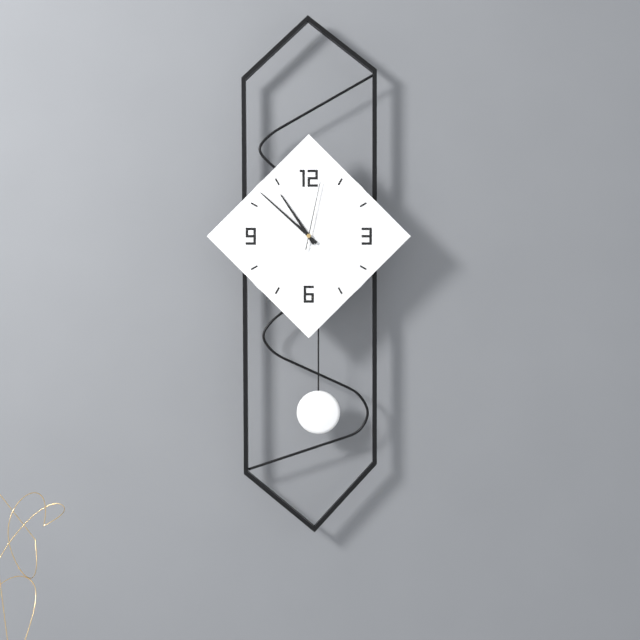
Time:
{"hour": 10, "minute": 52, "second": 2}
